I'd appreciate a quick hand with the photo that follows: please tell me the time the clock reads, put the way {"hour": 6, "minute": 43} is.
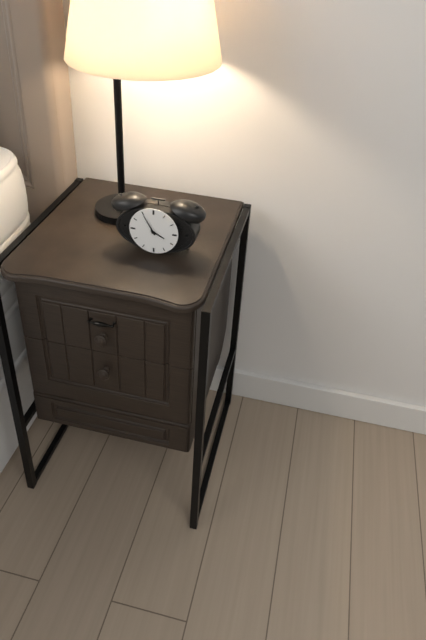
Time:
{"hour": 3, "minute": 55}
